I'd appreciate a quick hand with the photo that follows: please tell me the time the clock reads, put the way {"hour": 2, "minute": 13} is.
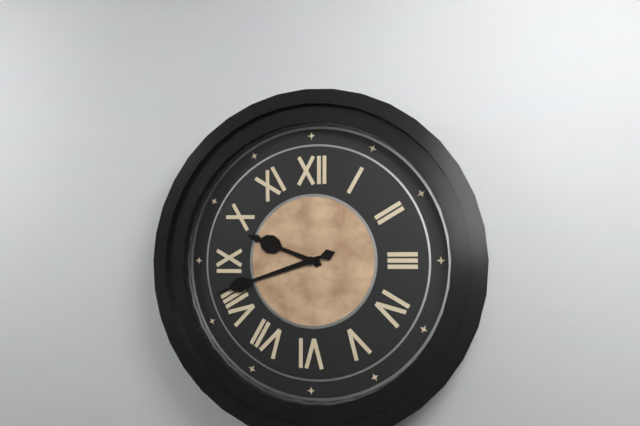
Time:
{"hour": 9, "minute": 42}
